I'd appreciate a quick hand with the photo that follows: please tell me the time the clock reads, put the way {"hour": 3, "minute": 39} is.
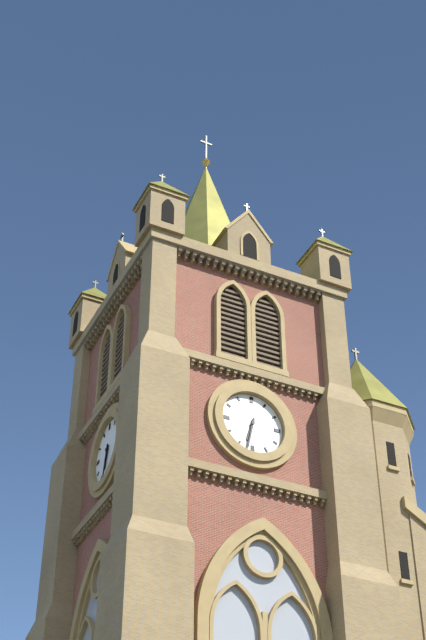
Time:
{"hour": 6, "minute": 32}
